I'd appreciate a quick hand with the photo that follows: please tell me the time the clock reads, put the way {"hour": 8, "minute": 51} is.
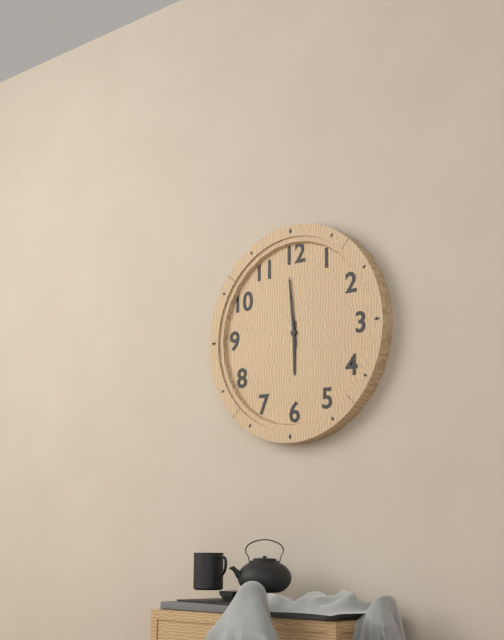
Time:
{"hour": 5, "minute": 59}
